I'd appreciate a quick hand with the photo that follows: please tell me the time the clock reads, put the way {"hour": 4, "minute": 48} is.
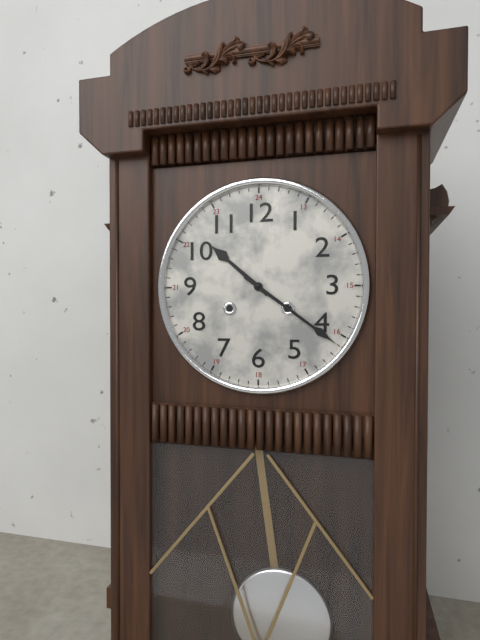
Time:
{"hour": 10, "minute": 21}
